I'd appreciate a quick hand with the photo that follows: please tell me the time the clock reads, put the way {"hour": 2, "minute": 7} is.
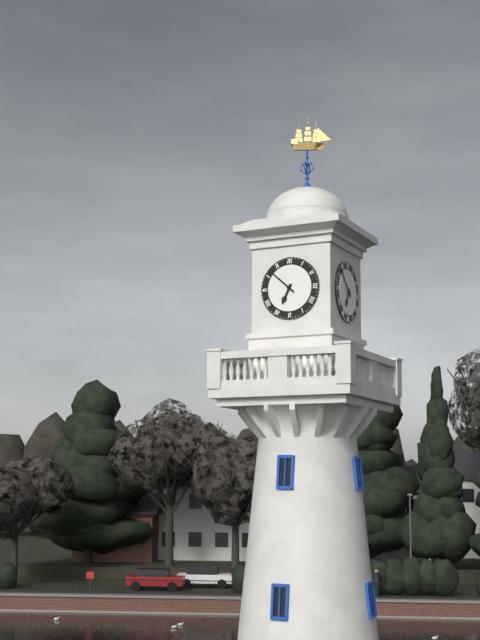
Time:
{"hour": 6, "minute": 52}
